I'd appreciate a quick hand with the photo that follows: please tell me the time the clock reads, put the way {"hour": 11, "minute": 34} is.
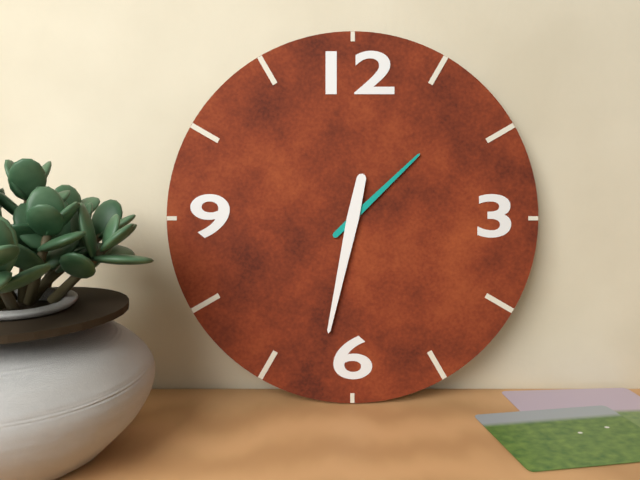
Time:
{"hour": 1, "minute": 32}
